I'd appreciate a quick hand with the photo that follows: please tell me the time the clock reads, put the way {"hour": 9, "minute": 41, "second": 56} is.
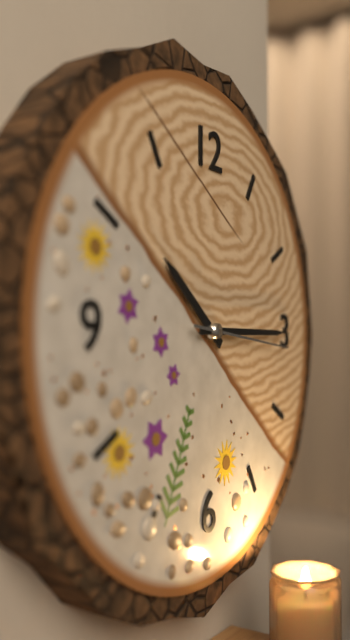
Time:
{"hour": 10, "minute": 15, "second": 16}
